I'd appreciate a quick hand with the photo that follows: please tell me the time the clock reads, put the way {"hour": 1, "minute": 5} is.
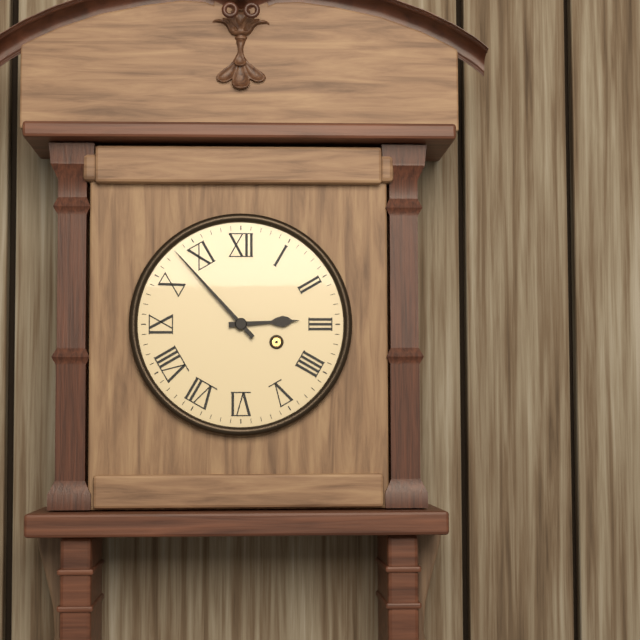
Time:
{"hour": 2, "minute": 53}
